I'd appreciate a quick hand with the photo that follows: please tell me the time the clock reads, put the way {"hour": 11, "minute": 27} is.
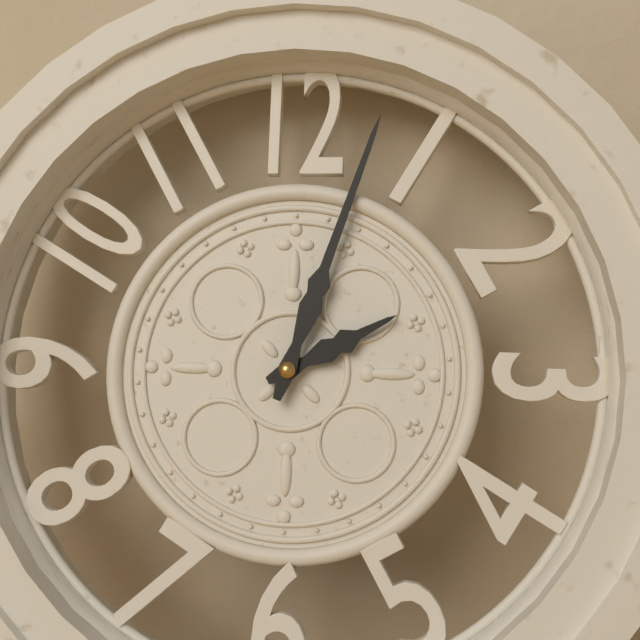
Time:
{"hour": 2, "minute": 3}
